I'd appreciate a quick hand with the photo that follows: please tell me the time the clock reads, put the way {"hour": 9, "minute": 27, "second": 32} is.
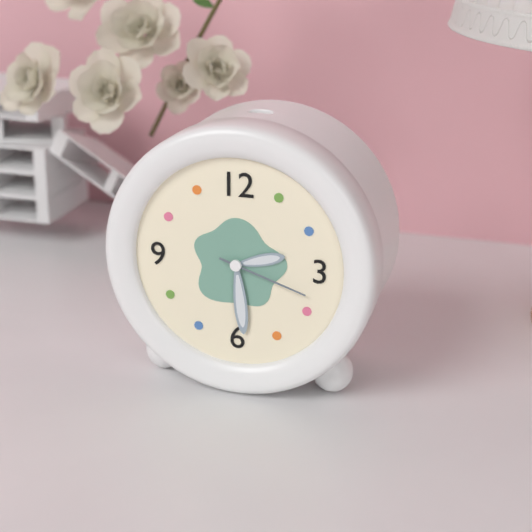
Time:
{"hour": 2, "minute": 29, "second": 18}
